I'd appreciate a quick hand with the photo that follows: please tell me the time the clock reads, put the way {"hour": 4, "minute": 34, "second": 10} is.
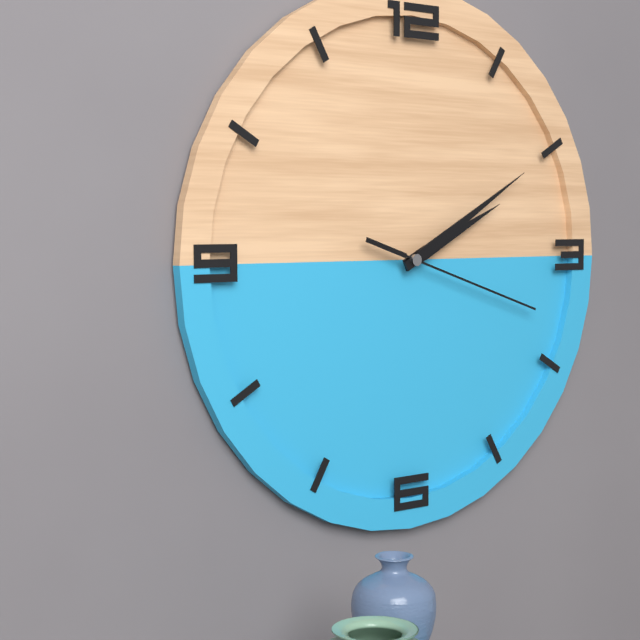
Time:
{"hour": 2, "minute": 10, "second": 18}
